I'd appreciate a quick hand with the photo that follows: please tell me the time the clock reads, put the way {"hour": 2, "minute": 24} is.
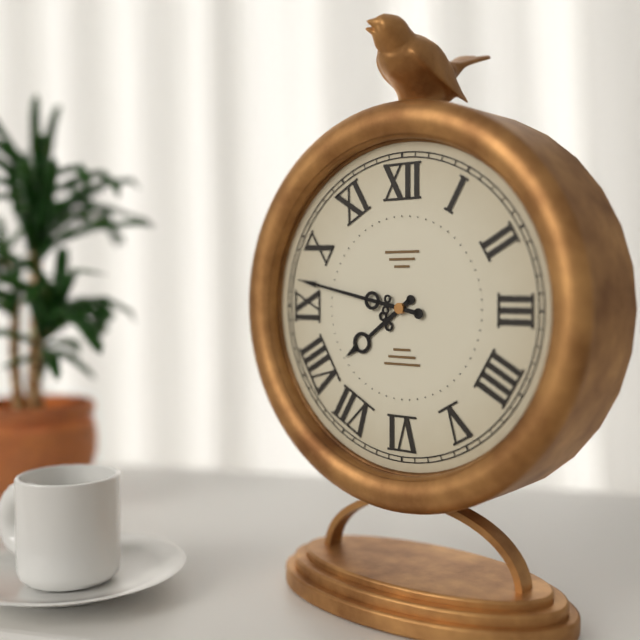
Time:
{"hour": 7, "minute": 47}
